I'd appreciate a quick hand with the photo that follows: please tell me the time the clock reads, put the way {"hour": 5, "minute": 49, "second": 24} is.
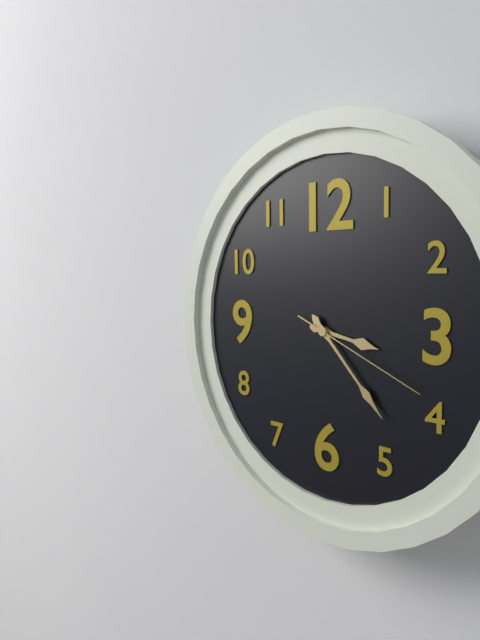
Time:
{"hour": 3, "minute": 23, "second": 19}
